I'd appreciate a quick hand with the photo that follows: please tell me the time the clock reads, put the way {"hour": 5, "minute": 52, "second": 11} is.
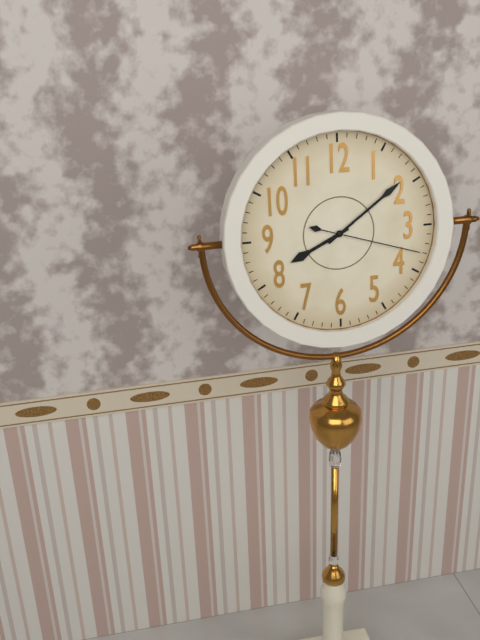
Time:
{"hour": 8, "minute": 9, "second": 18}
